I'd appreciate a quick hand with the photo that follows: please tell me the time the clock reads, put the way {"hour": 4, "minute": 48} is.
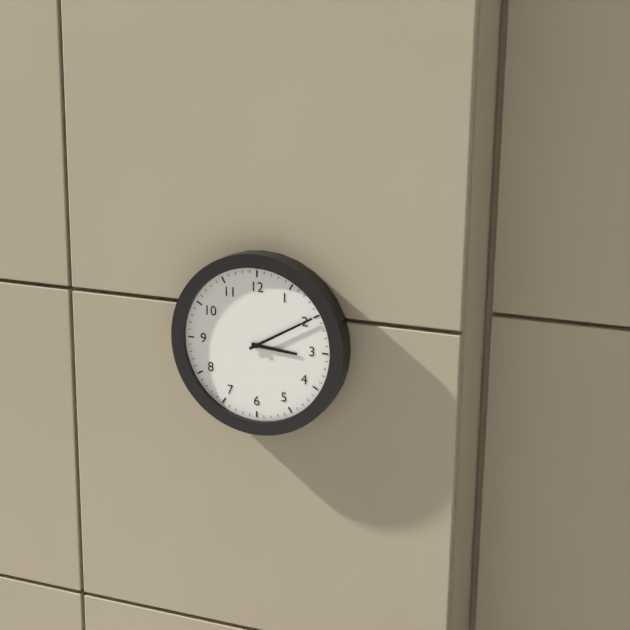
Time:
{"hour": 3, "minute": 10}
